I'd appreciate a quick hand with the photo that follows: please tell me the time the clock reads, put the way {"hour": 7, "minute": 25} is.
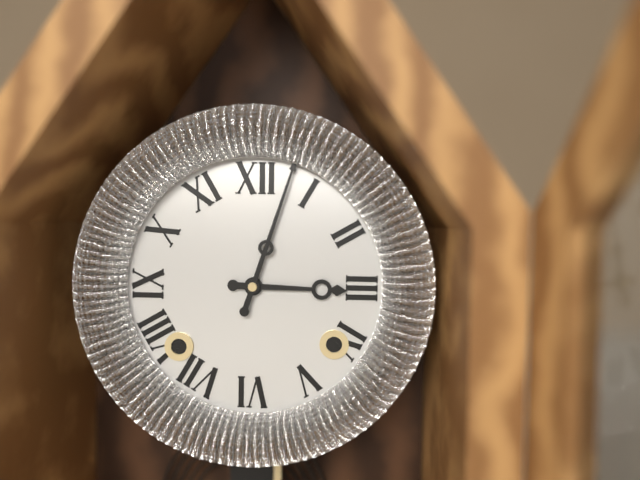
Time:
{"hour": 3, "minute": 3}
